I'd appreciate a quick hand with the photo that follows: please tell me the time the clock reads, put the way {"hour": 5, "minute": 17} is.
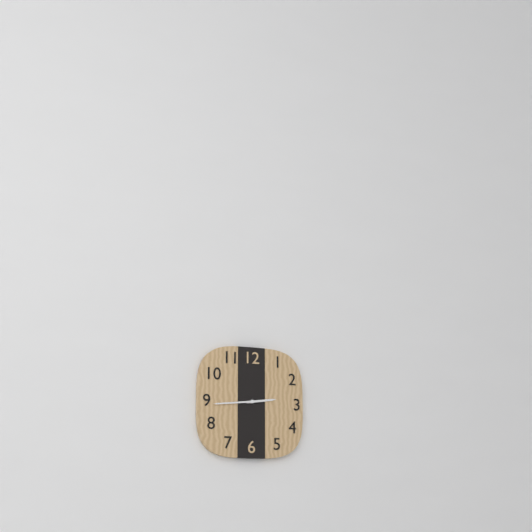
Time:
{"hour": 2, "minute": 44}
